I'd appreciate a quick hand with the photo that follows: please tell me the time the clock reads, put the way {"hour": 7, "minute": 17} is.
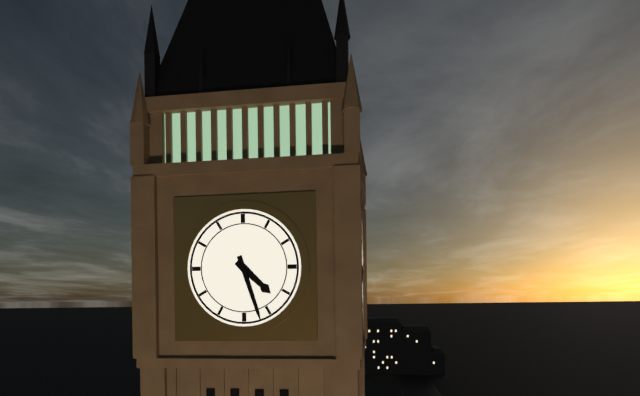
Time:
{"hour": 4, "minute": 27}
